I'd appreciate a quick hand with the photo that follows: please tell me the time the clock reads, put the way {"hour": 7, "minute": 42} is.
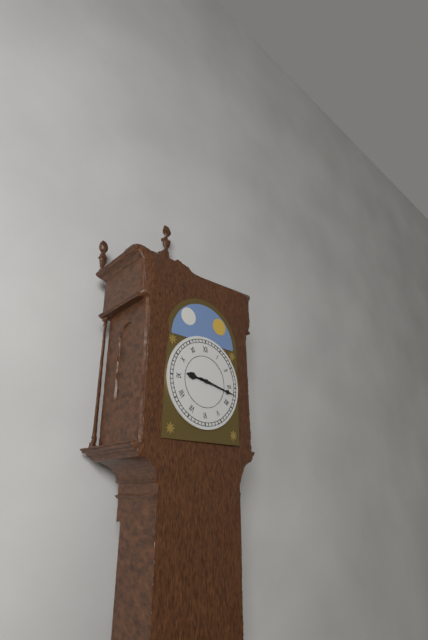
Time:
{"hour": 9, "minute": 17}
